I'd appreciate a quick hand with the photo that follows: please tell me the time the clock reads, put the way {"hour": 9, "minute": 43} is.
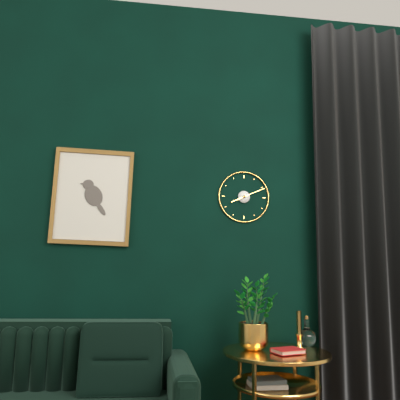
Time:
{"hour": 8, "minute": 11}
